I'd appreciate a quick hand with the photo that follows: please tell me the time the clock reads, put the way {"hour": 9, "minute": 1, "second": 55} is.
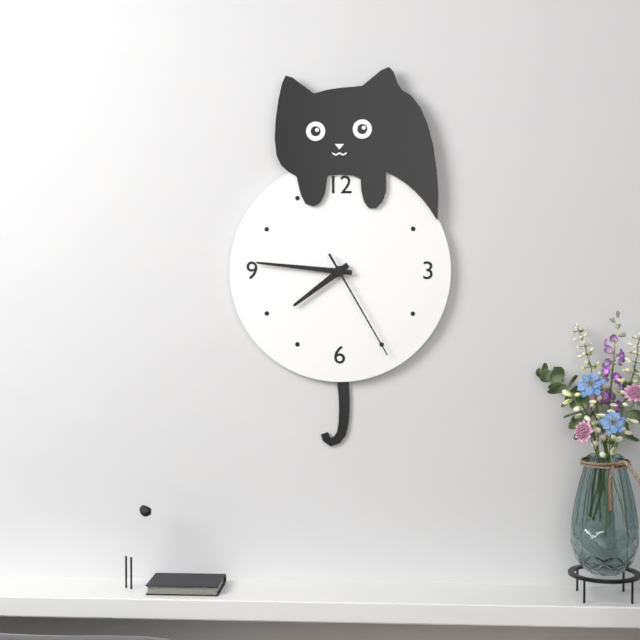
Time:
{"hour": 7, "minute": 46, "second": 25}
